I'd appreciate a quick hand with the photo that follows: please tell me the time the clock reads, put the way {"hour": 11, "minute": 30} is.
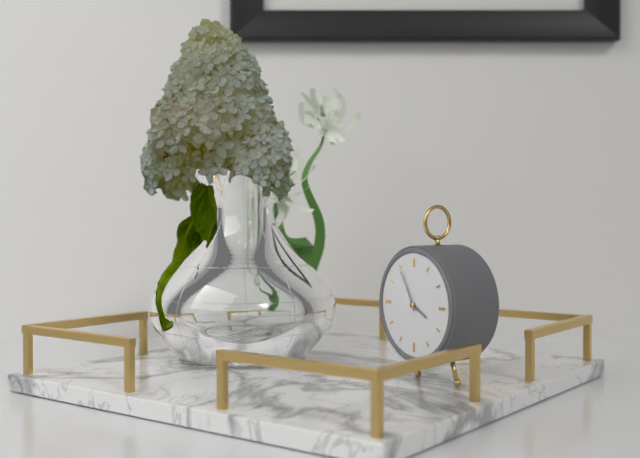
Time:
{"hour": 3, "minute": 55}
